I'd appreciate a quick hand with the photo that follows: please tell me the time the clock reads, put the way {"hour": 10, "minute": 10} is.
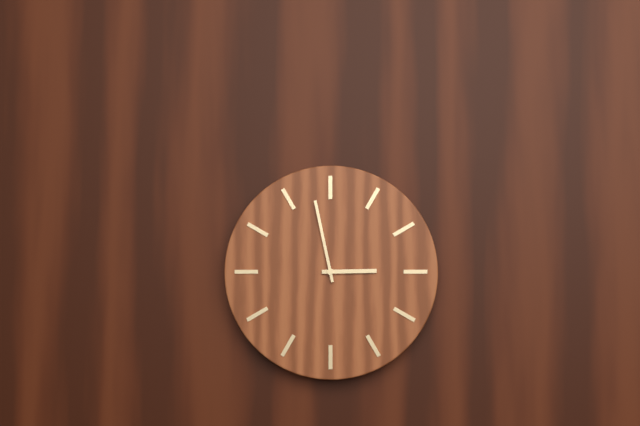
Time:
{"hour": 2, "minute": 58}
